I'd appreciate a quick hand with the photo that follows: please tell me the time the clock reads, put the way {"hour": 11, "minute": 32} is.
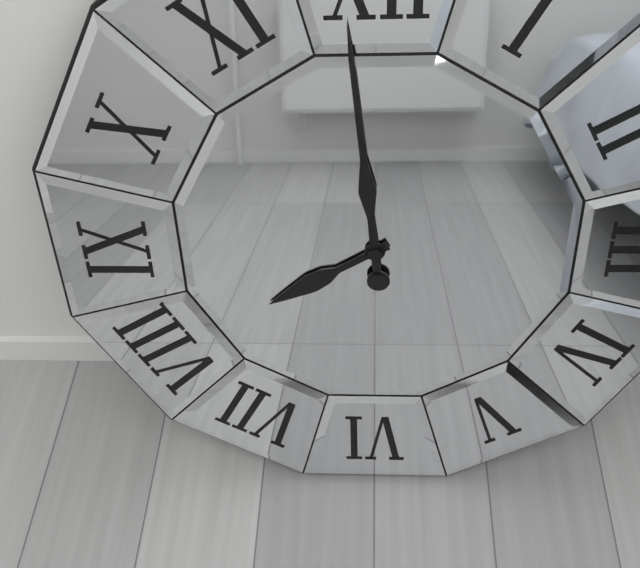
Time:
{"hour": 7, "minute": 59}
